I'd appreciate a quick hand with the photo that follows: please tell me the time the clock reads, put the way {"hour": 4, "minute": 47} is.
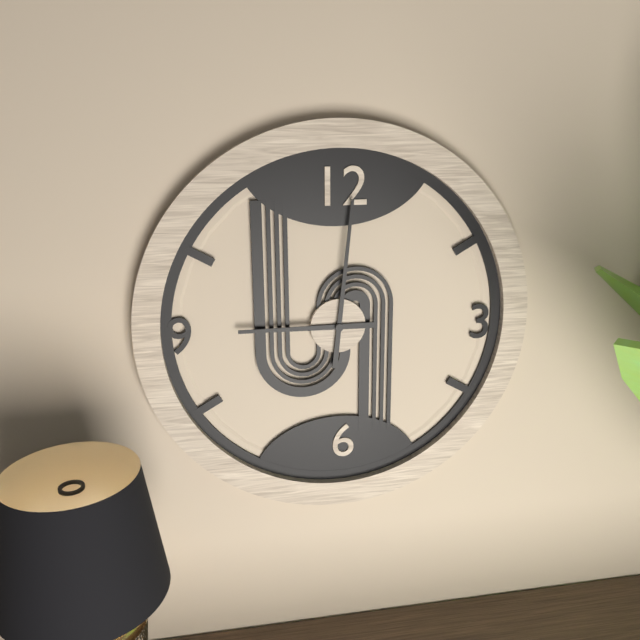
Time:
{"hour": 9, "minute": 1}
